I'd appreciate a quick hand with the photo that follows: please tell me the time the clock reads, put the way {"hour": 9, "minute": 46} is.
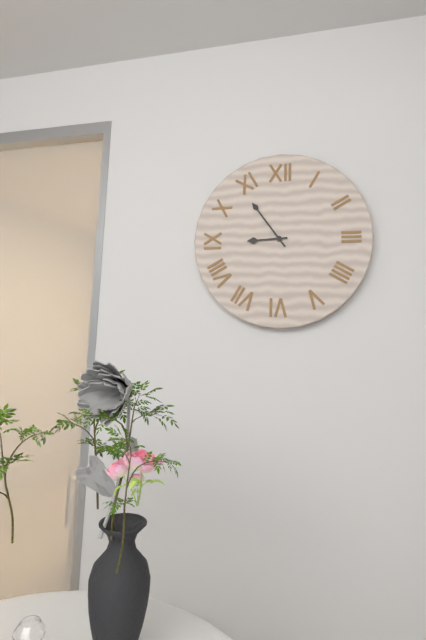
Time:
{"hour": 8, "minute": 54}
